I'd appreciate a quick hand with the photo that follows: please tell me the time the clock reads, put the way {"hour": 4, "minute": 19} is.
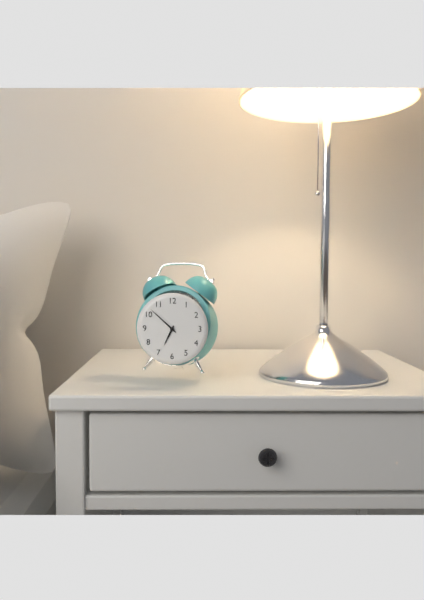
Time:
{"hour": 6, "minute": 52}
